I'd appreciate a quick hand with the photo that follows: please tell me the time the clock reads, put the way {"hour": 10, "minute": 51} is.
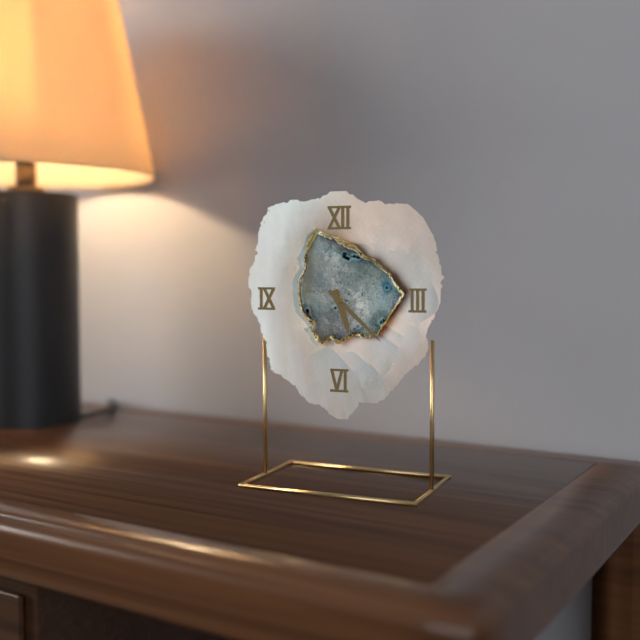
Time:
{"hour": 5, "minute": 22}
